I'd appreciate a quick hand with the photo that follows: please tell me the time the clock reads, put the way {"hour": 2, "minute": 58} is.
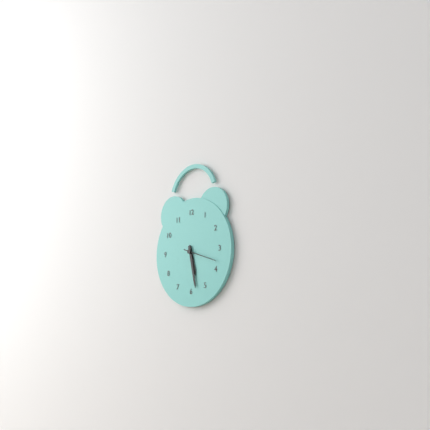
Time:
{"hour": 5, "minute": 28}
